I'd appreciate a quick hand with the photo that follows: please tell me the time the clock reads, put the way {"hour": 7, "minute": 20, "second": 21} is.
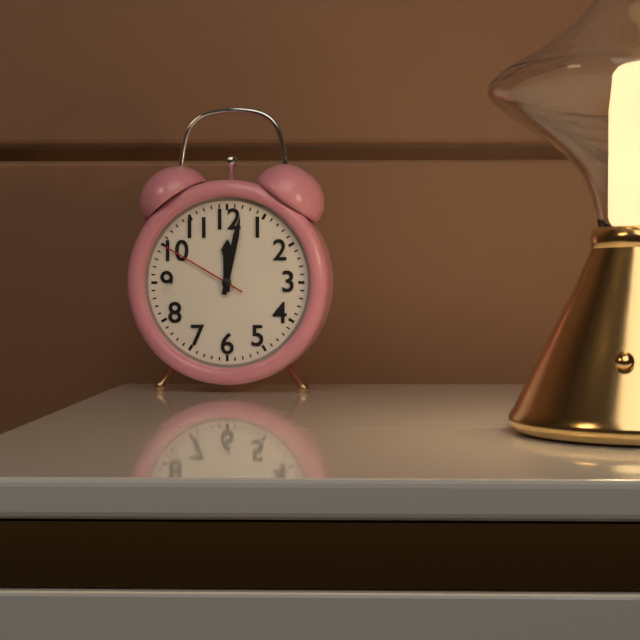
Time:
{"hour": 12, "minute": 2, "second": 50}
